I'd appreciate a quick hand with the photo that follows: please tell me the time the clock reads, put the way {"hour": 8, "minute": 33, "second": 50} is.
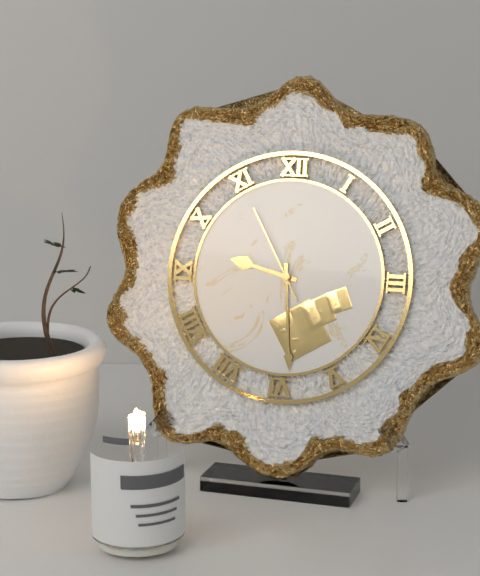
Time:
{"hour": 9, "minute": 29, "second": 55}
